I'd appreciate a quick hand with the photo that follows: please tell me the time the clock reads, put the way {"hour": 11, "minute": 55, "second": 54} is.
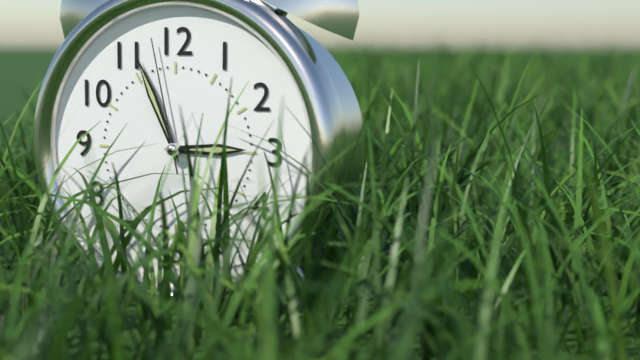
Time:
{"hour": 2, "minute": 56, "second": 58}
